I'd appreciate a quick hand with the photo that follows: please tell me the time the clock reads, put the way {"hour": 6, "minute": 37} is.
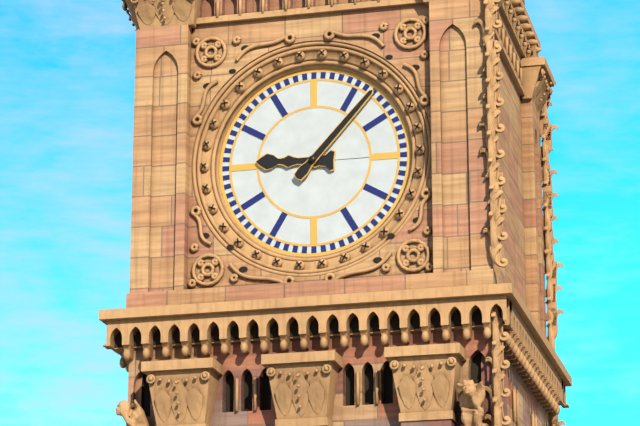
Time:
{"hour": 9, "minute": 7}
